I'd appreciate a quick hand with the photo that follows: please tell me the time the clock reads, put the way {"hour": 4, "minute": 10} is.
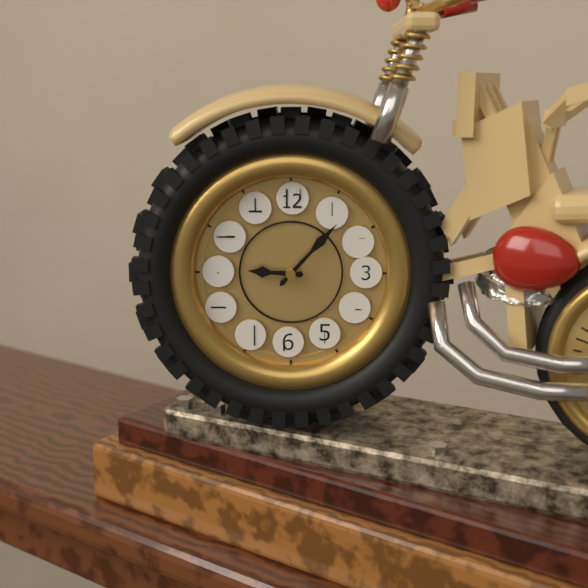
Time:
{"hour": 9, "minute": 7}
